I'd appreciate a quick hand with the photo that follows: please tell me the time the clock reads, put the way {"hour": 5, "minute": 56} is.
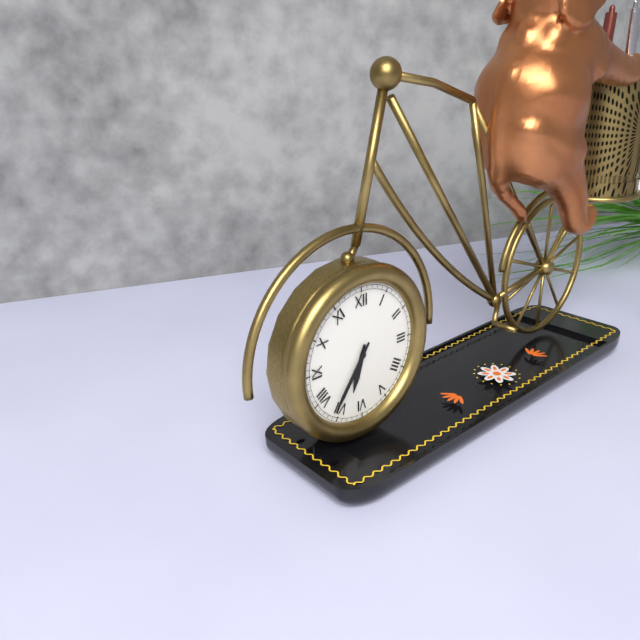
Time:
{"hour": 6, "minute": 36}
